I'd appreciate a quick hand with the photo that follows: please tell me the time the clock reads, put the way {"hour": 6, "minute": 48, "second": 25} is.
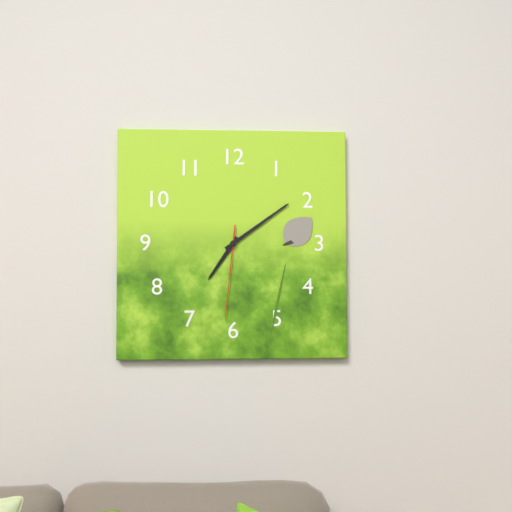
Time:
{"hour": 7, "minute": 9, "second": 31}
